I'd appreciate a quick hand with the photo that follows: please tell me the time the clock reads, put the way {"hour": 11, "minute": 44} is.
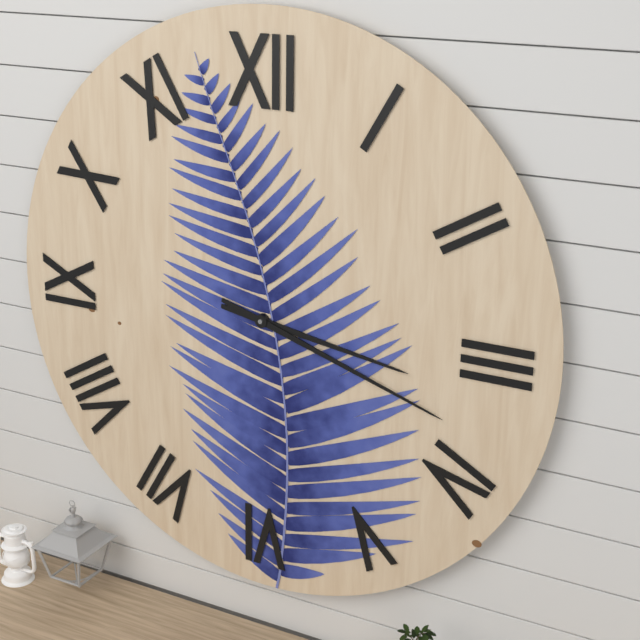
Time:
{"hour": 3, "minute": 18}
